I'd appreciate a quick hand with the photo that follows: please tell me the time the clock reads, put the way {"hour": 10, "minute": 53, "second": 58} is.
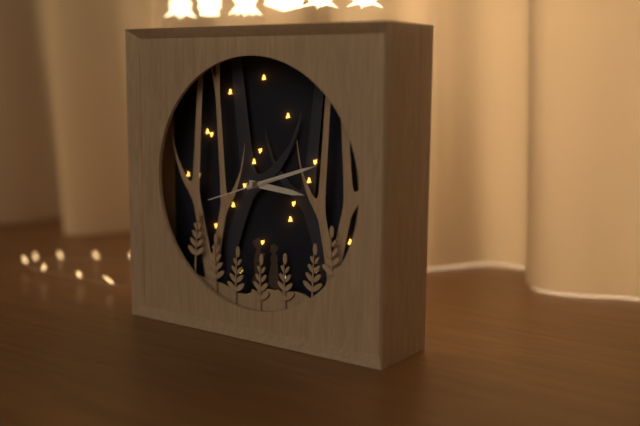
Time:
{"hour": 3, "minute": 12, "second": 42}
